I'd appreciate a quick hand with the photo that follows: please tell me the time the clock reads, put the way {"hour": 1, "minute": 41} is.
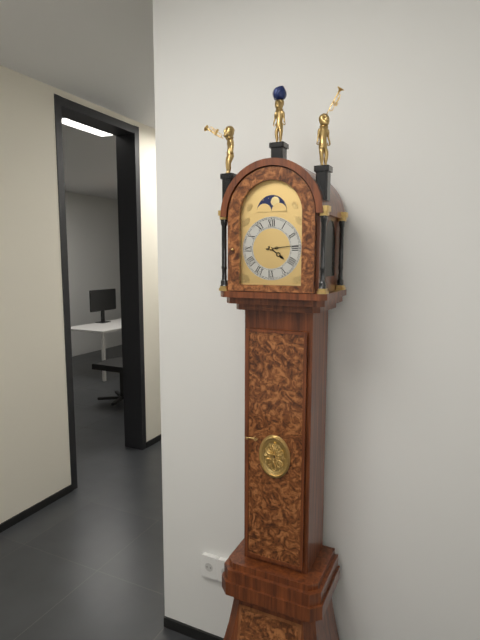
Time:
{"hour": 4, "minute": 14}
